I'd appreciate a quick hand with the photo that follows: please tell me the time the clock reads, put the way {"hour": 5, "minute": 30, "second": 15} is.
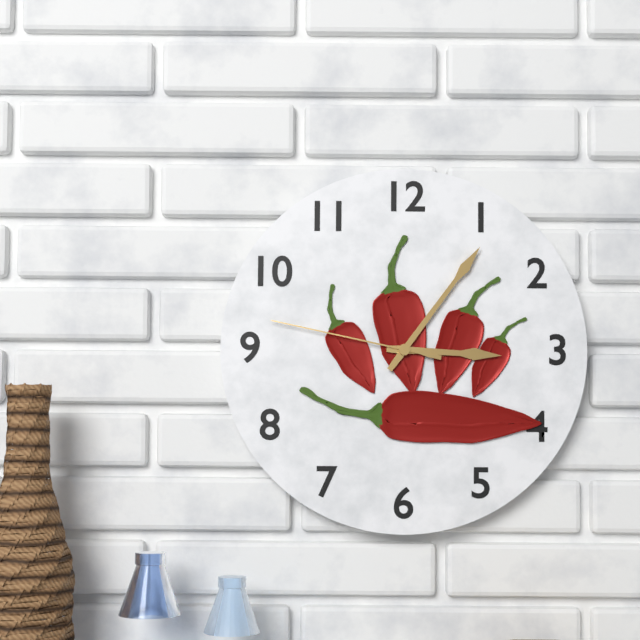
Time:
{"hour": 3, "minute": 6, "second": 47}
